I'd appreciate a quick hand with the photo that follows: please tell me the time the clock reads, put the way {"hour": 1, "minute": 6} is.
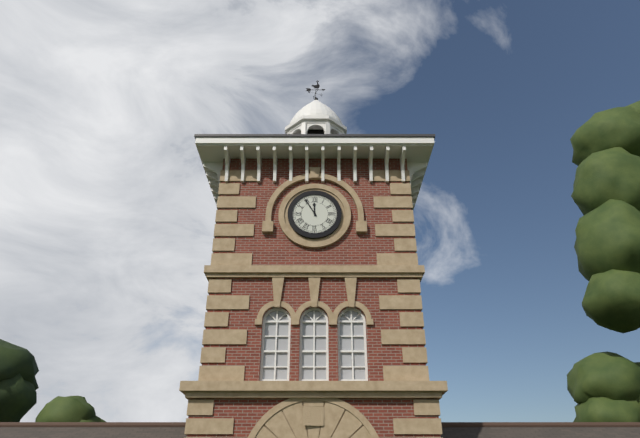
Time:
{"hour": 11, "minute": 55}
